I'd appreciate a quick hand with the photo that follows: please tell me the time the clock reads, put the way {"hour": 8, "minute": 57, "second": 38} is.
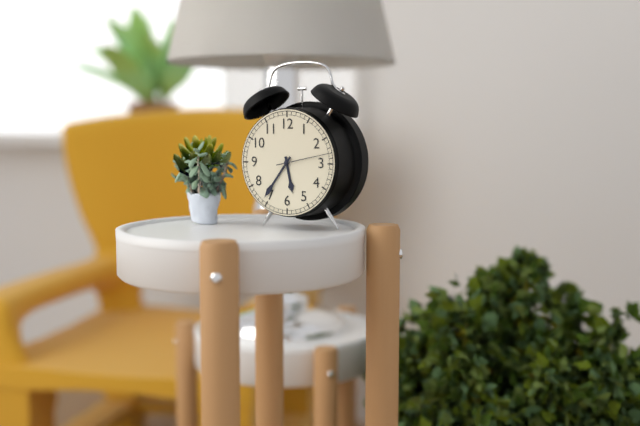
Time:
{"hour": 5, "minute": 36, "second": 13}
